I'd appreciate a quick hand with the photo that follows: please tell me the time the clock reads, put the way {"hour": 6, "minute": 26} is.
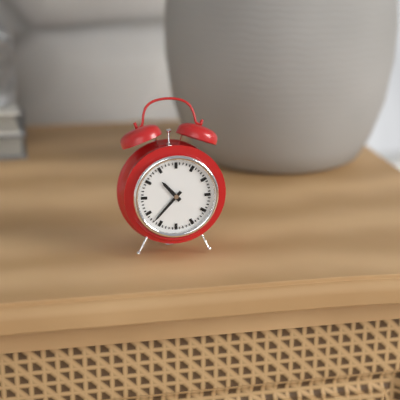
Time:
{"hour": 10, "minute": 37}
